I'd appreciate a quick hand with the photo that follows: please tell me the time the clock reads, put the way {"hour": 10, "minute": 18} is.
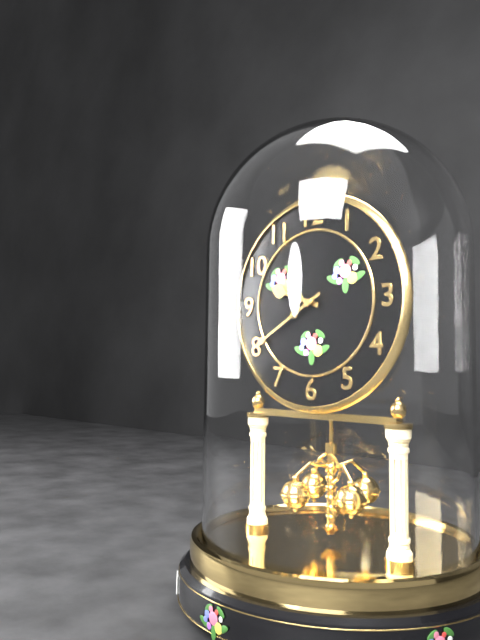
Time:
{"hour": 9, "minute": 40}
